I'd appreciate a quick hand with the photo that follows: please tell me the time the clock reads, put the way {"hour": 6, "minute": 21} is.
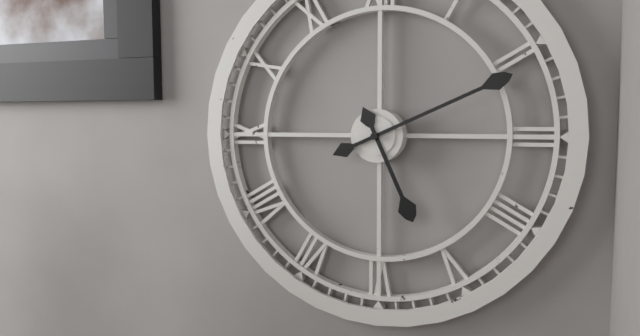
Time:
{"hour": 5, "minute": 11}
